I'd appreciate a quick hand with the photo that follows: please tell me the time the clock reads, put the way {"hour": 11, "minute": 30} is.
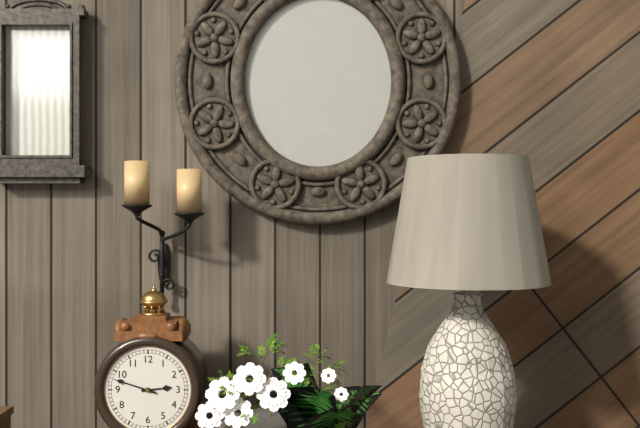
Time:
{"hour": 2, "minute": 48}
